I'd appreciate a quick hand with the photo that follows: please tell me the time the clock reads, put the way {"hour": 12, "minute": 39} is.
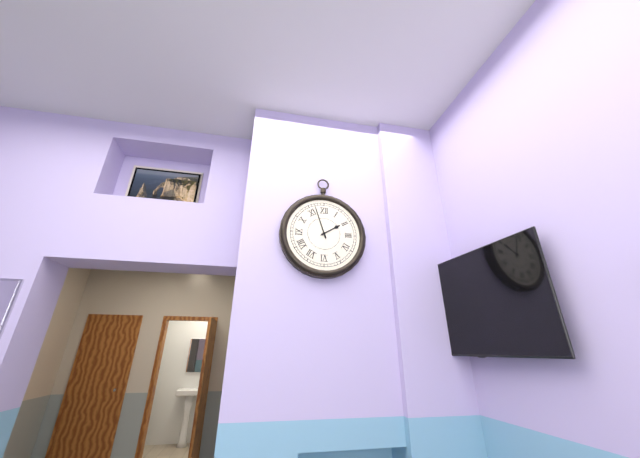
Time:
{"hour": 1, "minute": 57}
